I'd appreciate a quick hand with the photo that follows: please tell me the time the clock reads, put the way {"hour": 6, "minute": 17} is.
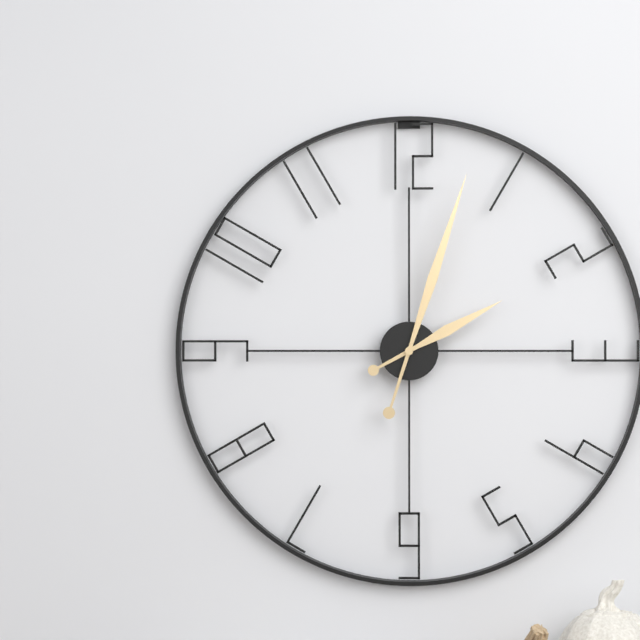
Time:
{"hour": 2, "minute": 3}
